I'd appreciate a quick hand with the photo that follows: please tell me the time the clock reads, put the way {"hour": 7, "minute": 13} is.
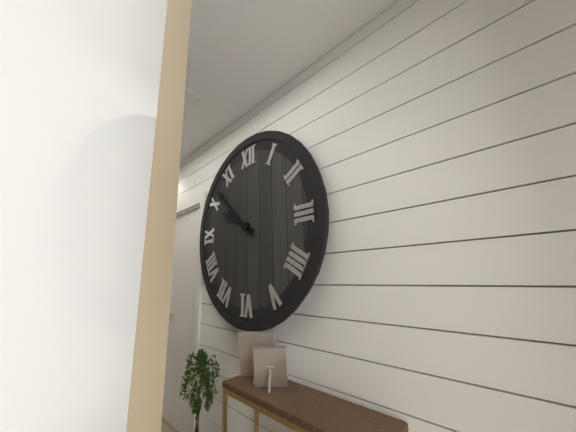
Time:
{"hour": 9, "minute": 52}
